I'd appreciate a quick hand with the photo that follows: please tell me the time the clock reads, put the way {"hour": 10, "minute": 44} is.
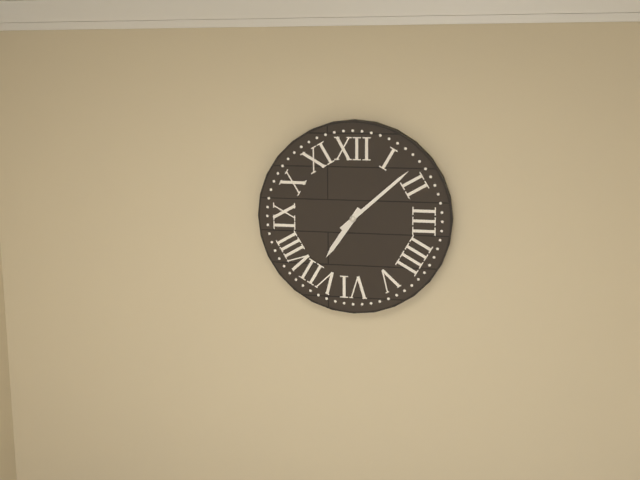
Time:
{"hour": 7, "minute": 8}
